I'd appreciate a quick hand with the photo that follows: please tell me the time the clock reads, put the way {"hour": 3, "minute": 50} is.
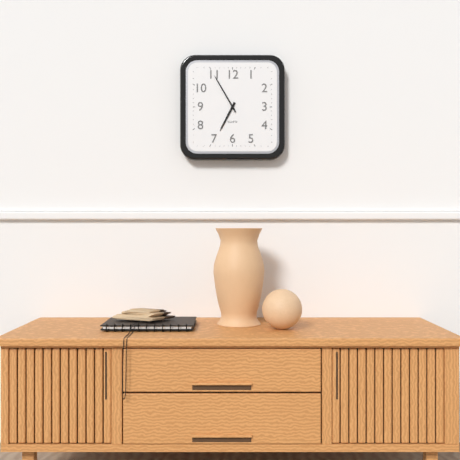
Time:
{"hour": 6, "minute": 55}
